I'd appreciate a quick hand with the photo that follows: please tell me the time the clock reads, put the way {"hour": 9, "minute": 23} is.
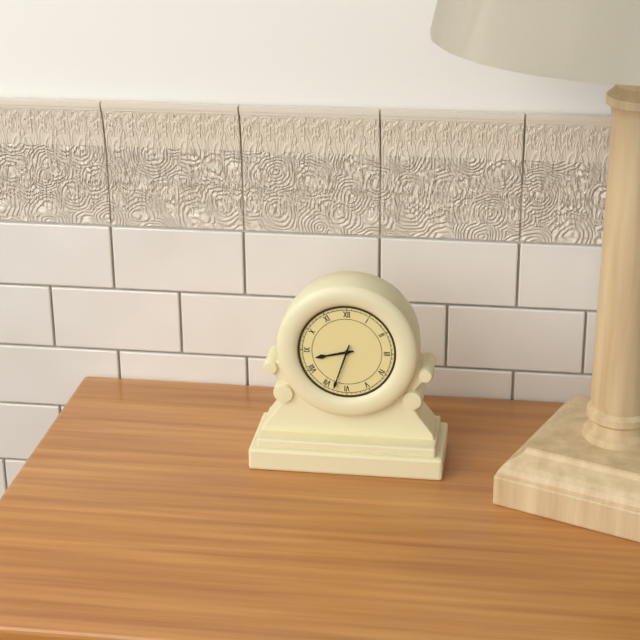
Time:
{"hour": 8, "minute": 33}
